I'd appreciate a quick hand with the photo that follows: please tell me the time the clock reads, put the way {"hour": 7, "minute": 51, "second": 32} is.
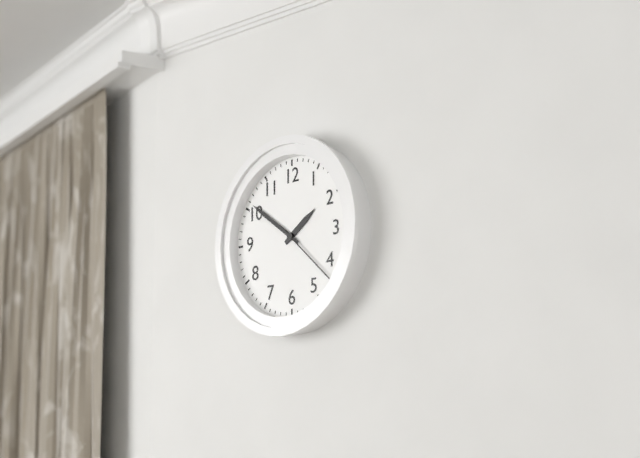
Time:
{"hour": 1, "minute": 51, "second": 22}
